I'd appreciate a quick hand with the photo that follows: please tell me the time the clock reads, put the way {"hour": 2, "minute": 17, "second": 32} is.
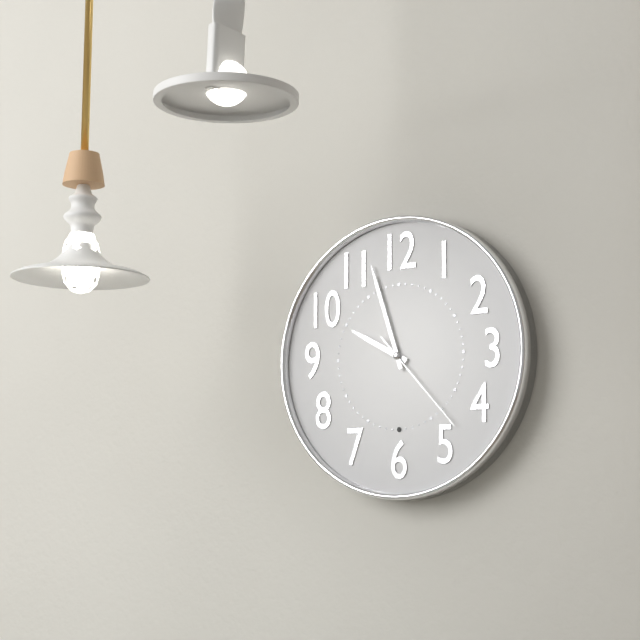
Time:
{"hour": 9, "minute": 57, "second": 23}
